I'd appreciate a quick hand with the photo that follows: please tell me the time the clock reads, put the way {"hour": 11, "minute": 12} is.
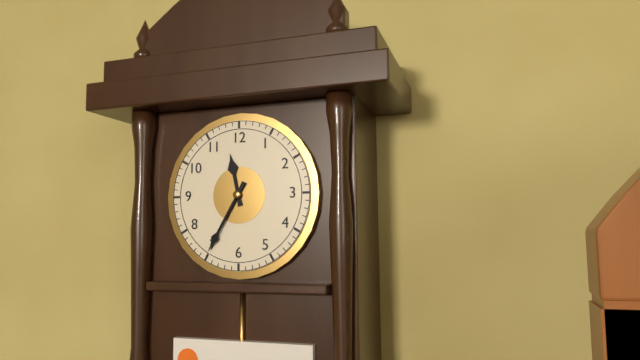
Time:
{"hour": 11, "minute": 35}
